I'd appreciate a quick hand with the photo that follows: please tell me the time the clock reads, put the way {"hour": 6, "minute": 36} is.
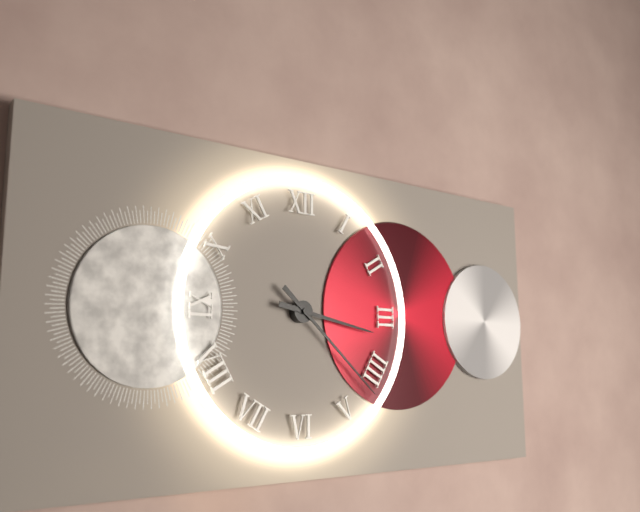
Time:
{"hour": 3, "minute": 22}
